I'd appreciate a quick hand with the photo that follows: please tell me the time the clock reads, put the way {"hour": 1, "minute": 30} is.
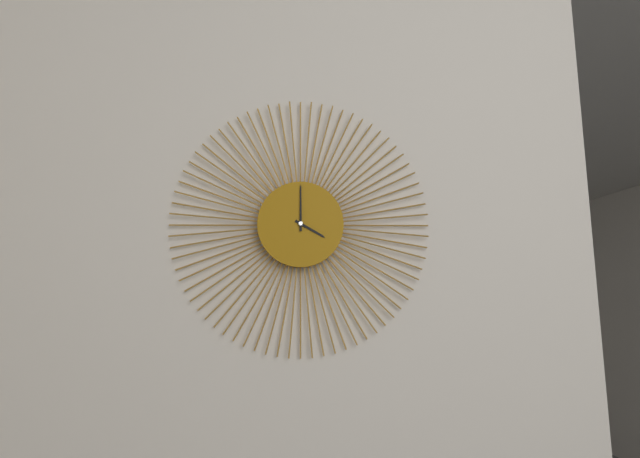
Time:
{"hour": 4, "minute": 0}
